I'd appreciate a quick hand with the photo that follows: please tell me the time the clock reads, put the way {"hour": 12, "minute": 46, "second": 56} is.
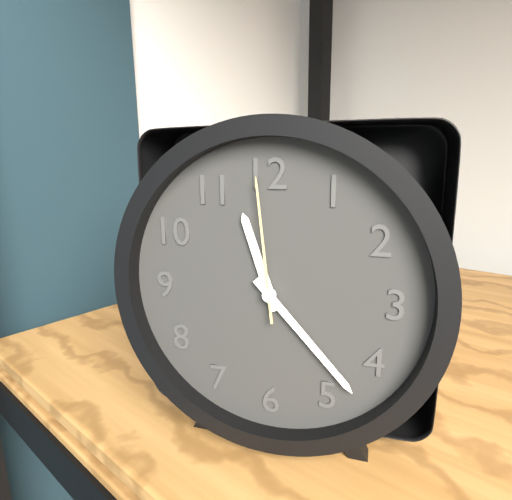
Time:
{"hour": 11, "minute": 23, "second": 59}
